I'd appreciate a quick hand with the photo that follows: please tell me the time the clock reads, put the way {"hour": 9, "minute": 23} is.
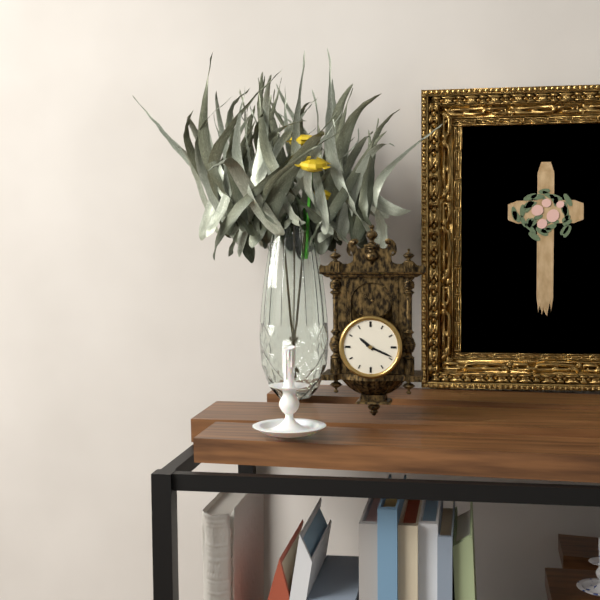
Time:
{"hour": 10, "minute": 19}
